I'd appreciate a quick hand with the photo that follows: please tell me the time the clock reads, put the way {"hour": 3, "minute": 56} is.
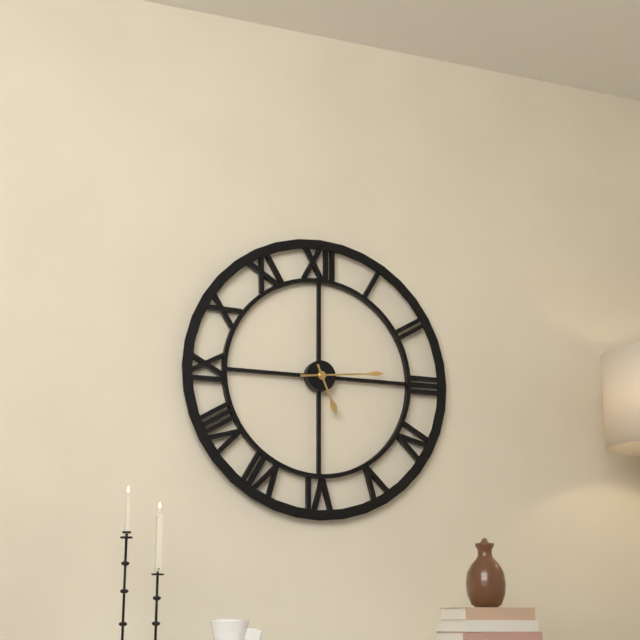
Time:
{"hour": 5, "minute": 14}
